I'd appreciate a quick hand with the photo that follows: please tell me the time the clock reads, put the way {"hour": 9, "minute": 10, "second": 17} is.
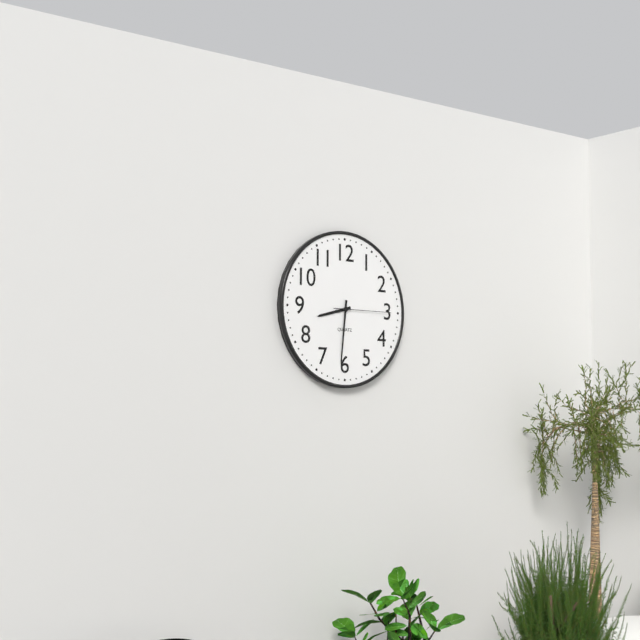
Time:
{"hour": 8, "minute": 31, "second": 15}
